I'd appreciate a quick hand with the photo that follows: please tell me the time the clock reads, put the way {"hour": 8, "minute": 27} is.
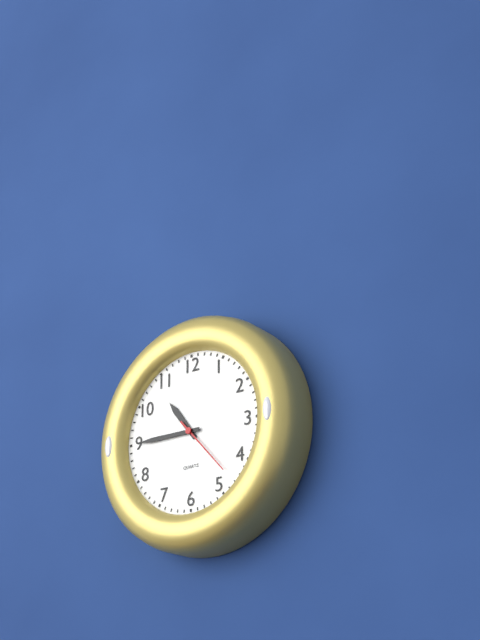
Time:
{"hour": 10, "minute": 45}
